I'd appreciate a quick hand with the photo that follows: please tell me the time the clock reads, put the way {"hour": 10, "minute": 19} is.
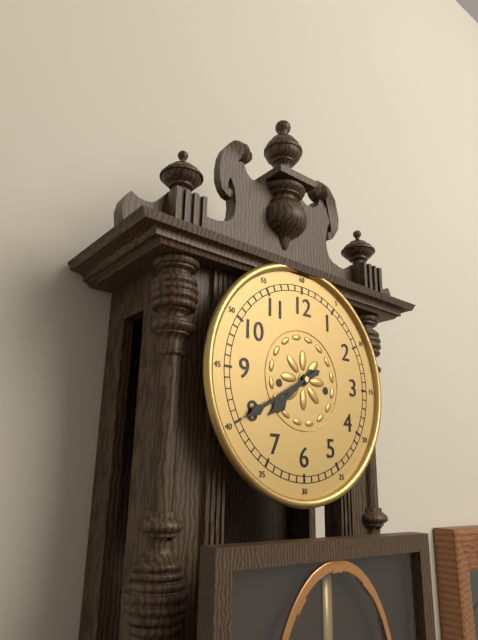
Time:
{"hour": 7, "minute": 40}
